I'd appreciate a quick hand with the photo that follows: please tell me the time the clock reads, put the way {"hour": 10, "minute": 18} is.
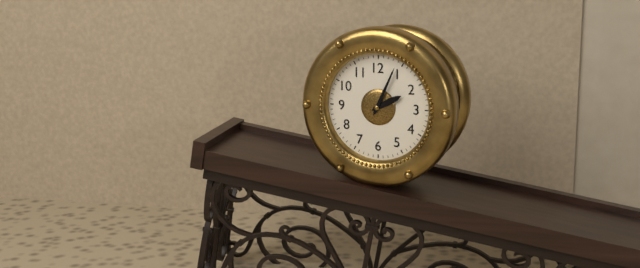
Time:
{"hour": 2, "minute": 4}
